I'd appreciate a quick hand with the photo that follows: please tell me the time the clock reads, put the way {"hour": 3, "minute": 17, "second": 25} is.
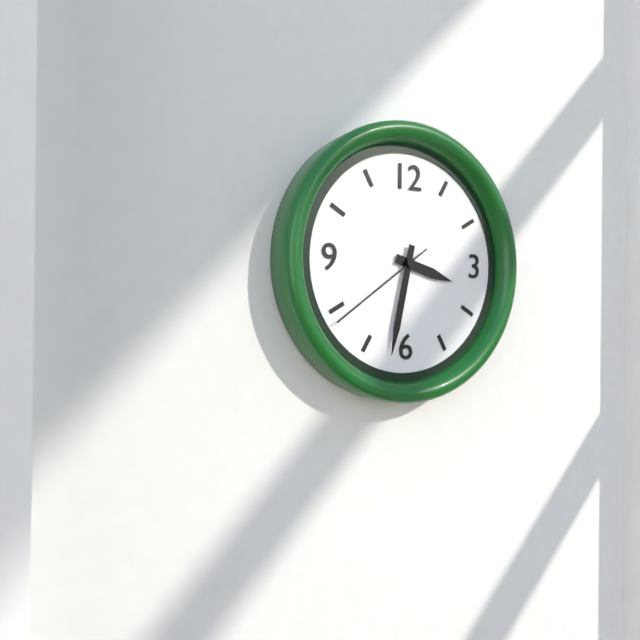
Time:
{"hour": 3, "minute": 32, "second": 39}
